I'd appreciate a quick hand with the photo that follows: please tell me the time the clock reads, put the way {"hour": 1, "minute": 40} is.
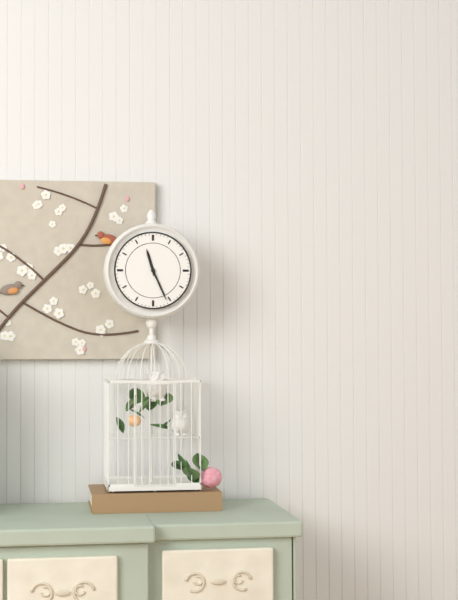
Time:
{"hour": 11, "minute": 26}
